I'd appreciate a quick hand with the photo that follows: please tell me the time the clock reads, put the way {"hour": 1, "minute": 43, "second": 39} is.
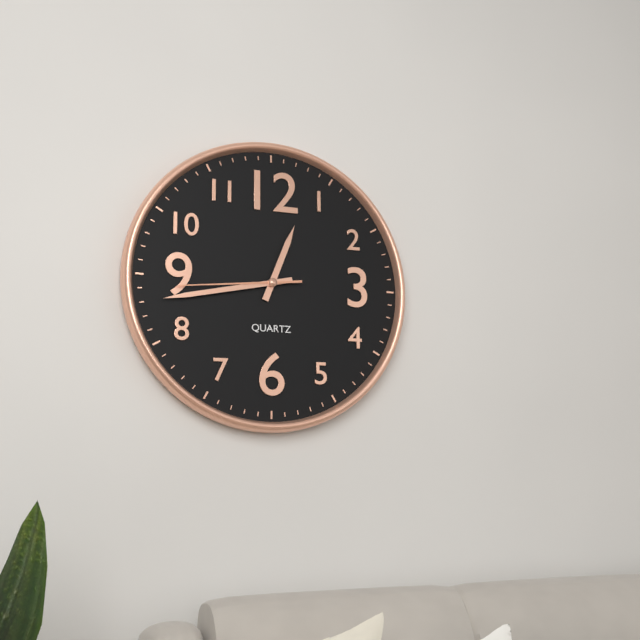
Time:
{"hour": 12, "minute": 43, "second": 44}
